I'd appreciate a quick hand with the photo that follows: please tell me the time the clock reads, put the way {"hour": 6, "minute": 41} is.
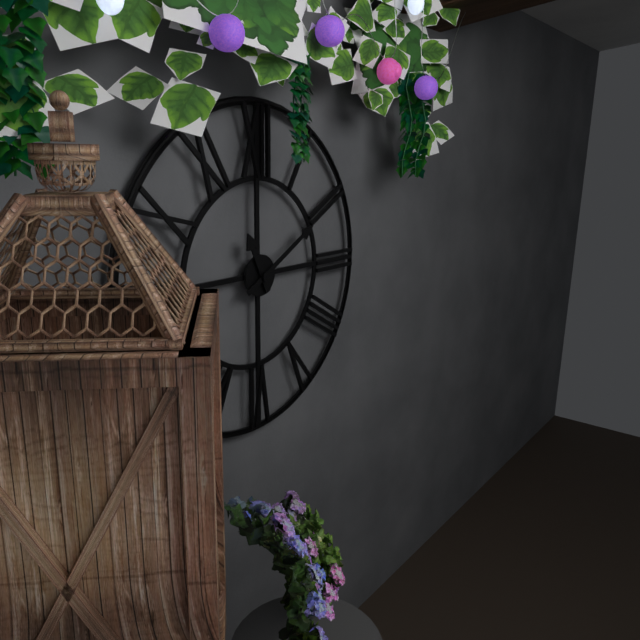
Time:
{"hour": 11, "minute": 10}
